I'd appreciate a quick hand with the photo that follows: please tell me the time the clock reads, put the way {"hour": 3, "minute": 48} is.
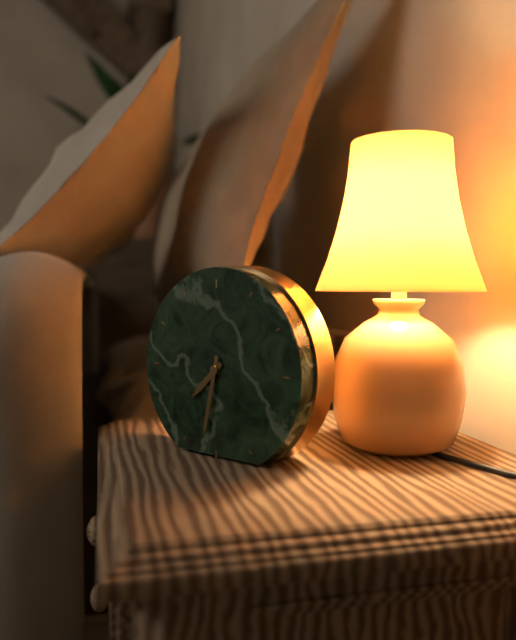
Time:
{"hour": 7, "minute": 32}
